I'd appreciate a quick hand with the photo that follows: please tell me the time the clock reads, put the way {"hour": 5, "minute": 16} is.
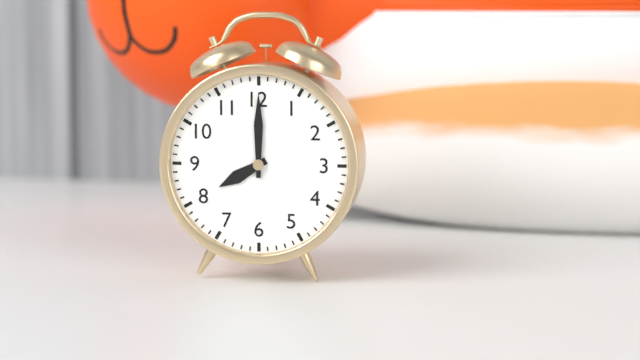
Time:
{"hour": 8, "minute": 0}
